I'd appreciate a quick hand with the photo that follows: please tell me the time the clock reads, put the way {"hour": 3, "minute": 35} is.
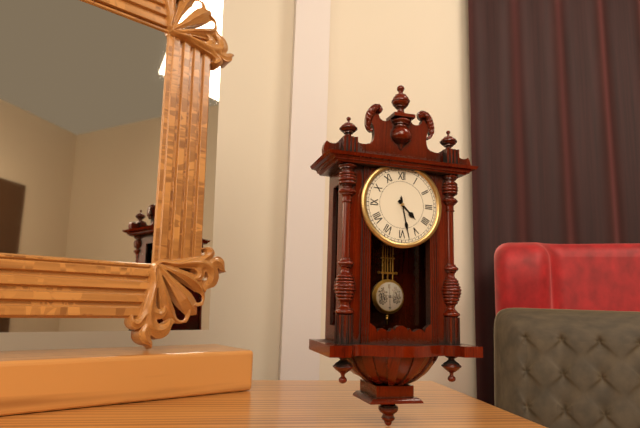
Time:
{"hour": 4, "minute": 28}
